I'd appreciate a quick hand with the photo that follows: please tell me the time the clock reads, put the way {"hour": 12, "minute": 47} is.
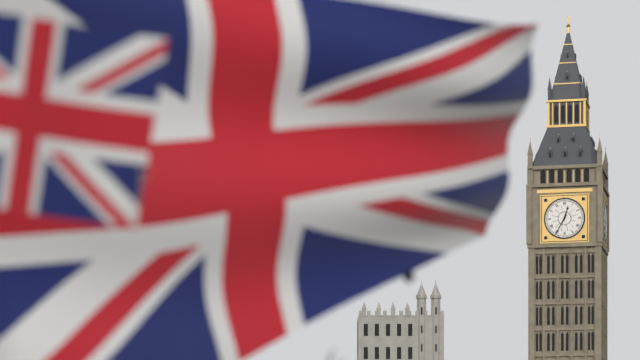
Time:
{"hour": 12, "minute": 35}
